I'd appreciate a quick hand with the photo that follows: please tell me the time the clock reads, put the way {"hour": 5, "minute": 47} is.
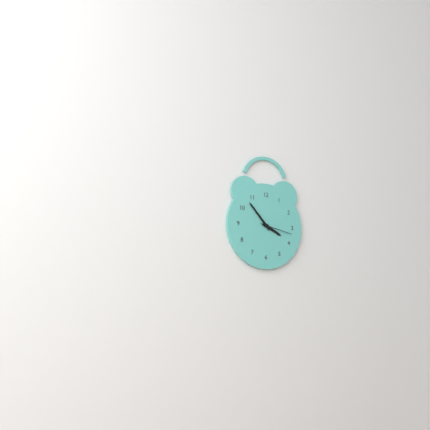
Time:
{"hour": 3, "minute": 53}
